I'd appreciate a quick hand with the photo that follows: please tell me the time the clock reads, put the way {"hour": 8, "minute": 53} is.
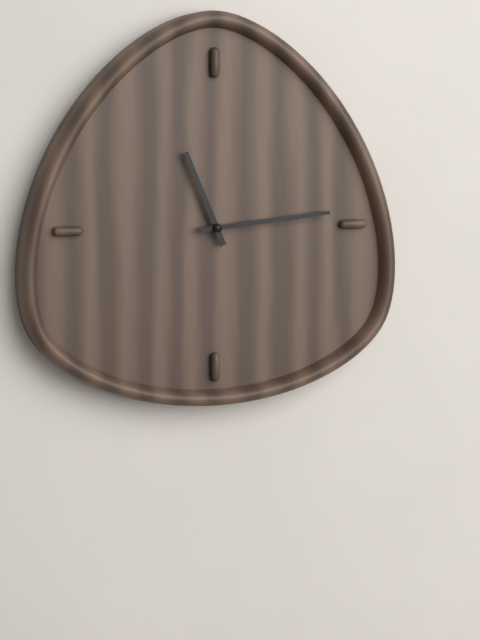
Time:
{"hour": 11, "minute": 14}
